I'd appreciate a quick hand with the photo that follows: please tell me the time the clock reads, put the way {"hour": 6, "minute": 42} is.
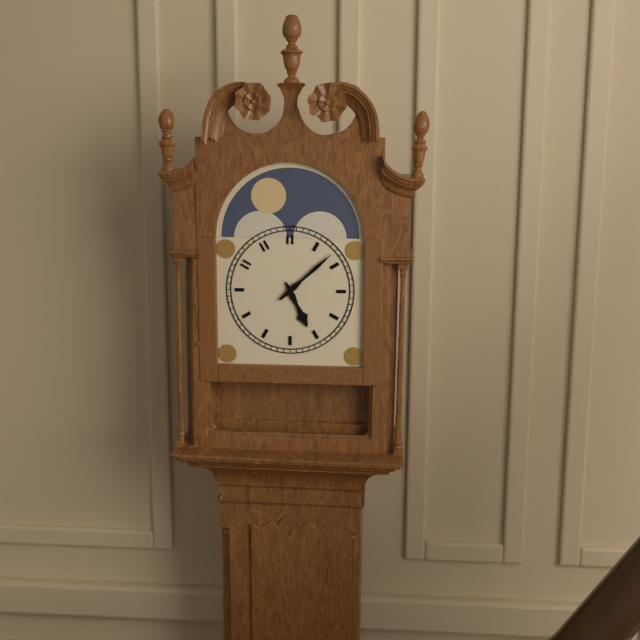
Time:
{"hour": 5, "minute": 8}
